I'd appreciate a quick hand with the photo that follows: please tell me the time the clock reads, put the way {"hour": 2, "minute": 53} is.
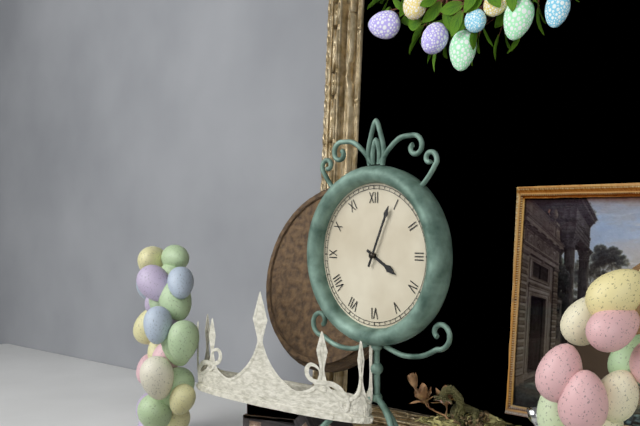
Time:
{"hour": 4, "minute": 4}
